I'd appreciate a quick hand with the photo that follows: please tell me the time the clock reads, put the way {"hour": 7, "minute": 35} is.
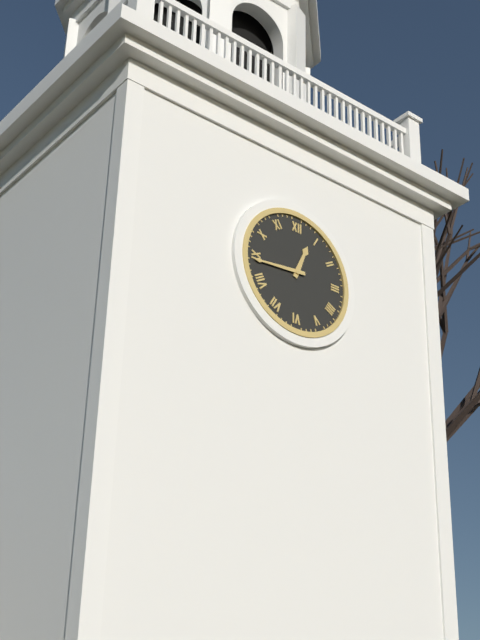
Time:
{"hour": 12, "minute": 44}
